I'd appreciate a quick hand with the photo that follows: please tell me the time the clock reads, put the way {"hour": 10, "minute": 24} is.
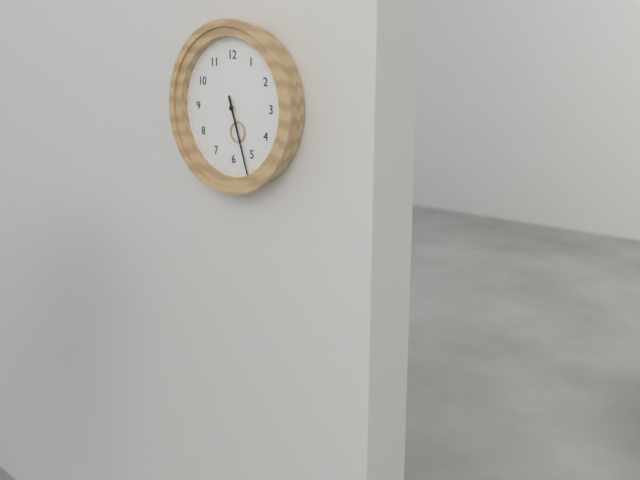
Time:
{"hour": 5, "minute": 27}
